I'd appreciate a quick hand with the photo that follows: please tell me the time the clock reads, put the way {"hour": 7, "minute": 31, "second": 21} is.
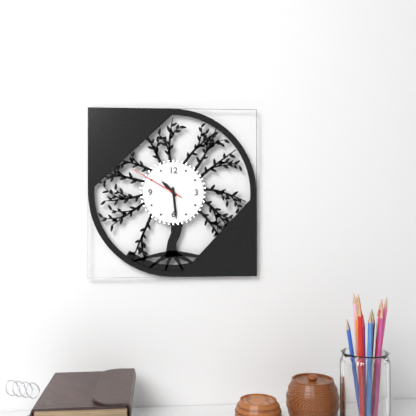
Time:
{"hour": 10, "minute": 29, "second": 50}
